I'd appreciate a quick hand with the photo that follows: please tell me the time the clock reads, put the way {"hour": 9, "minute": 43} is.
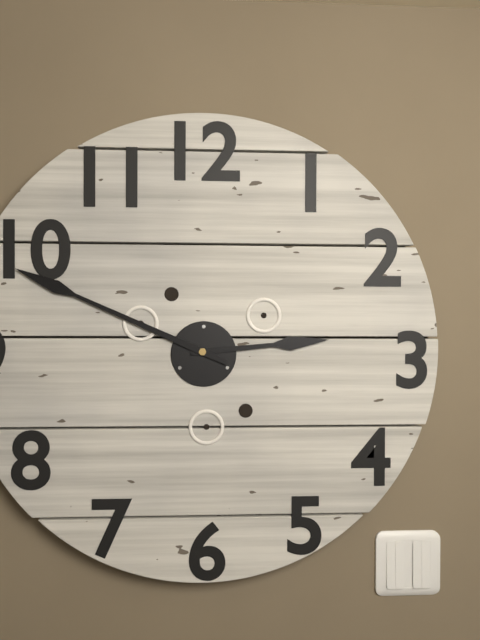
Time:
{"hour": 2, "minute": 49}
